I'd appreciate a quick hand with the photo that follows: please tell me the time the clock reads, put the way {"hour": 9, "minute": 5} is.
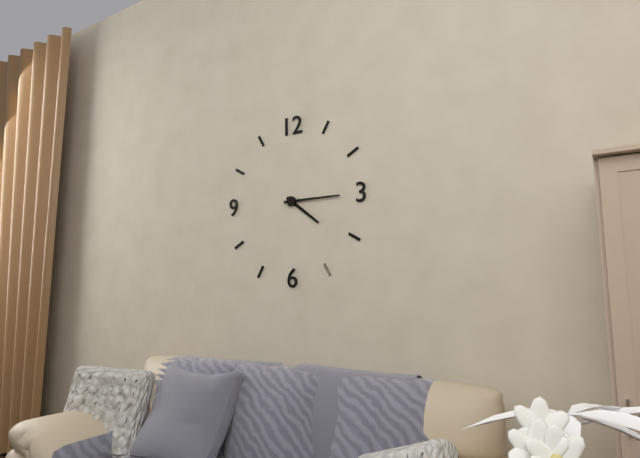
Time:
{"hour": 4, "minute": 15}
